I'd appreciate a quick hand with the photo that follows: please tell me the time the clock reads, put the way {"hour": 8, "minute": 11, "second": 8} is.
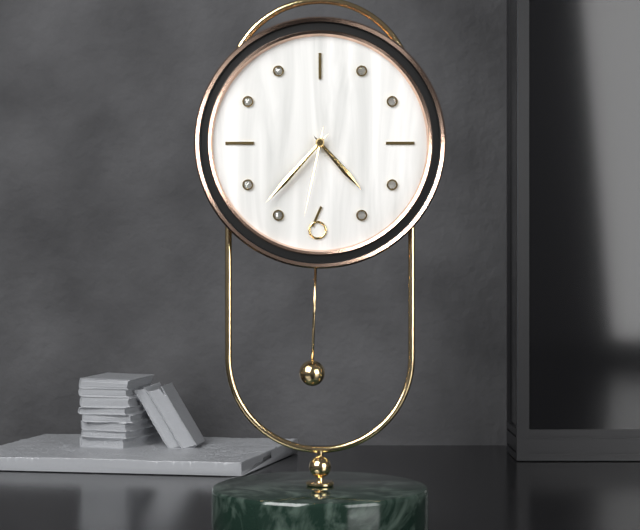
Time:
{"hour": 4, "minute": 37, "second": 32}
